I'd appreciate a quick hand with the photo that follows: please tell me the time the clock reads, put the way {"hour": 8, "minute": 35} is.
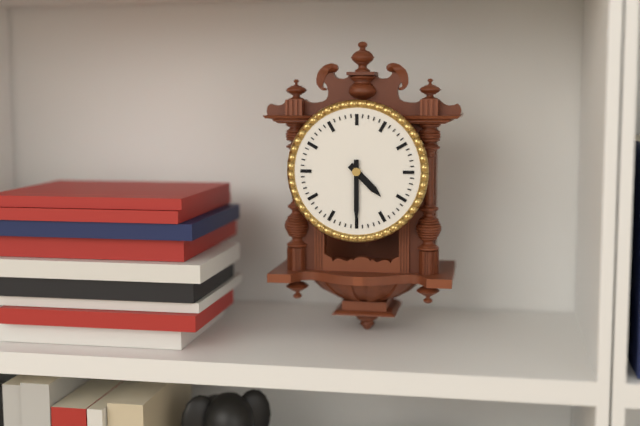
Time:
{"hour": 4, "minute": 30}
